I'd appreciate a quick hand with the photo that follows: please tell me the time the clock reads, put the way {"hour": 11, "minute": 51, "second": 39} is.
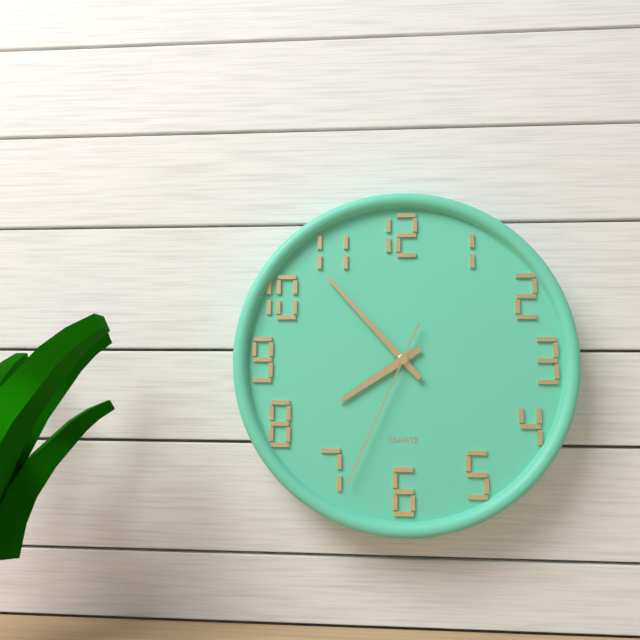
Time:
{"hour": 7, "minute": 53, "second": 34}
